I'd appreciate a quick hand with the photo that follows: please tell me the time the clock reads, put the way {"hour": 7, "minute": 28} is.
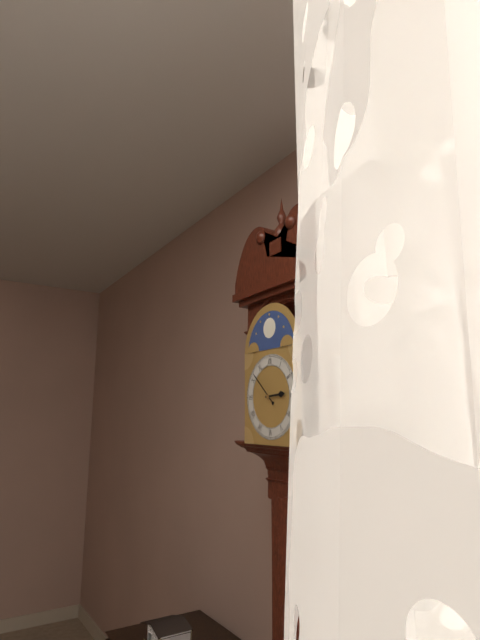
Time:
{"hour": 2, "minute": 52}
